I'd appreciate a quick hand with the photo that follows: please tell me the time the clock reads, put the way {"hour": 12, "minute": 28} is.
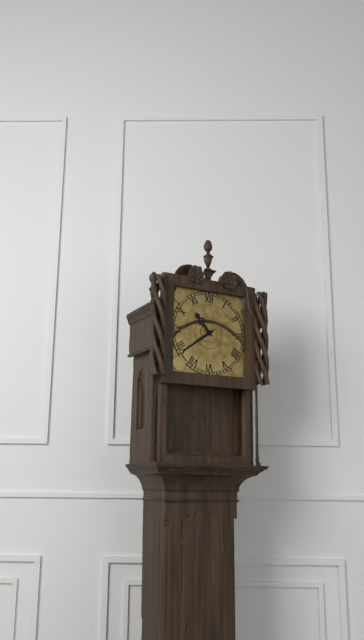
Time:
{"hour": 10, "minute": 39}
